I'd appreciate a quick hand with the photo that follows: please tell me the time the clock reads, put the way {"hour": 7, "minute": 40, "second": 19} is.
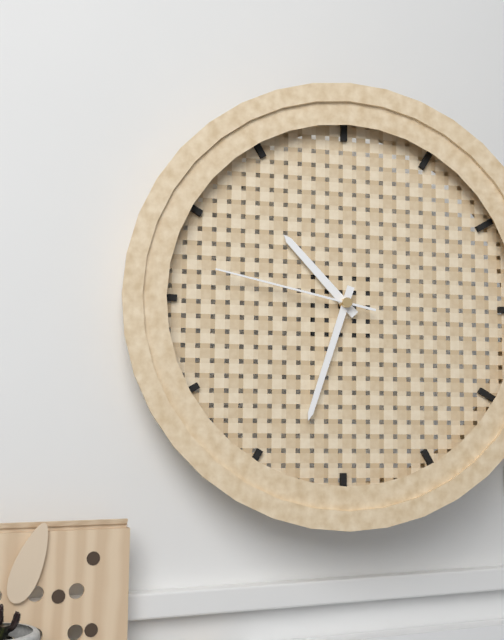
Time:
{"hour": 10, "minute": 33, "second": 47}
